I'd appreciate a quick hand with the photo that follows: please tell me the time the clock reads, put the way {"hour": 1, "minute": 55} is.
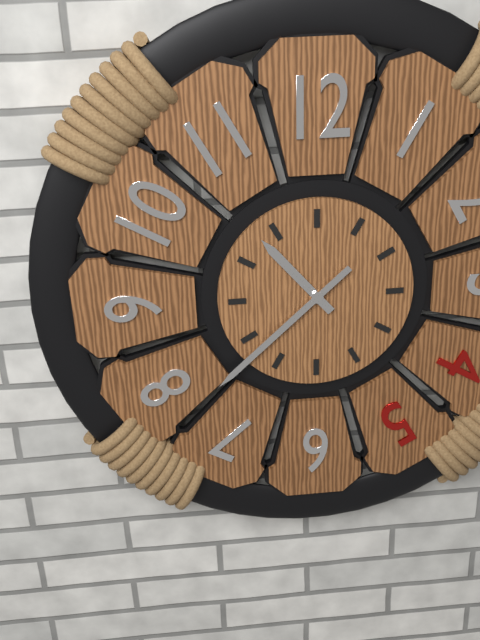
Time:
{"hour": 10, "minute": 38}
